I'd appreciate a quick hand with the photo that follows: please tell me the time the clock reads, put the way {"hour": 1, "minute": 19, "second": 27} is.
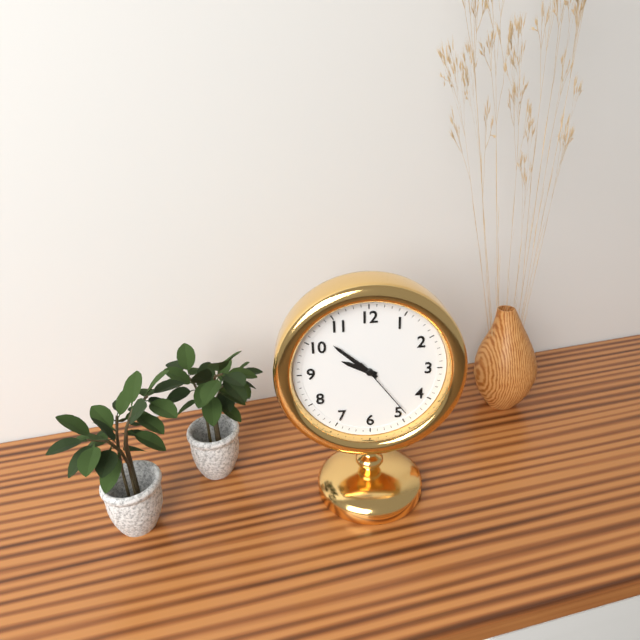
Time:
{"hour": 9, "minute": 52, "second": 24}
